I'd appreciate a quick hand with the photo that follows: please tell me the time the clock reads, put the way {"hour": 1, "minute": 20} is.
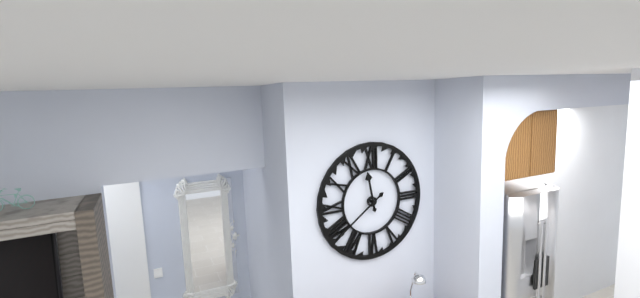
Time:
{"hour": 11, "minute": 39}
